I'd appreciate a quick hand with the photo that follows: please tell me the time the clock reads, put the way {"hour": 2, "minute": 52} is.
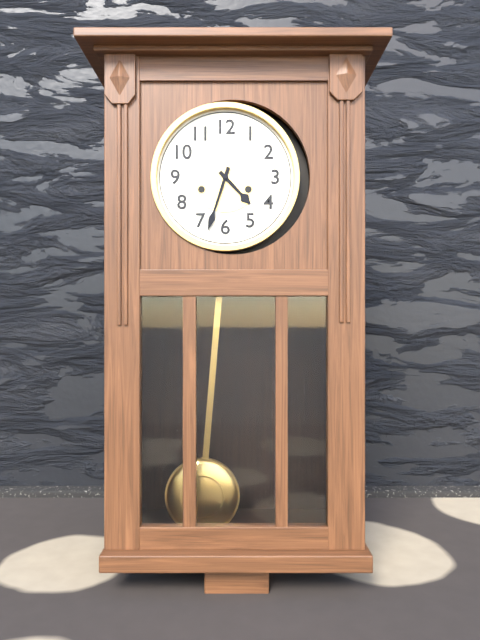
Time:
{"hour": 4, "minute": 33}
